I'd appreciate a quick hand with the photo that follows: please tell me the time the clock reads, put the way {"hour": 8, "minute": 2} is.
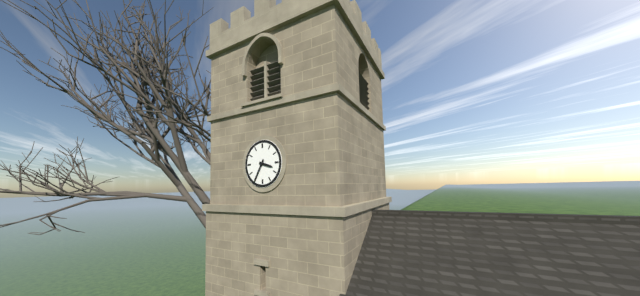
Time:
{"hour": 3, "minute": 35}
